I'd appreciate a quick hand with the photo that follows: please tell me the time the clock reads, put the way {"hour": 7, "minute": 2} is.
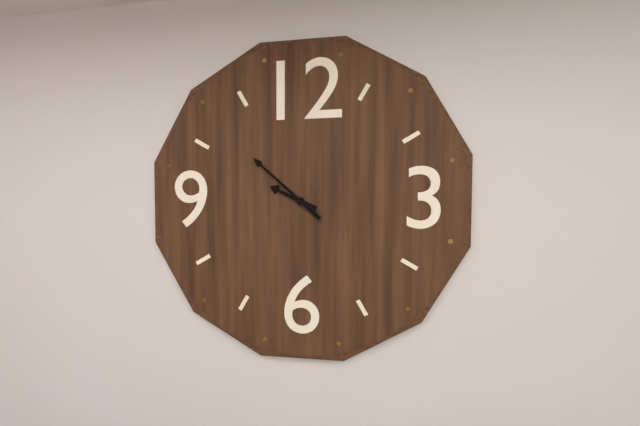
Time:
{"hour": 9, "minute": 52}
